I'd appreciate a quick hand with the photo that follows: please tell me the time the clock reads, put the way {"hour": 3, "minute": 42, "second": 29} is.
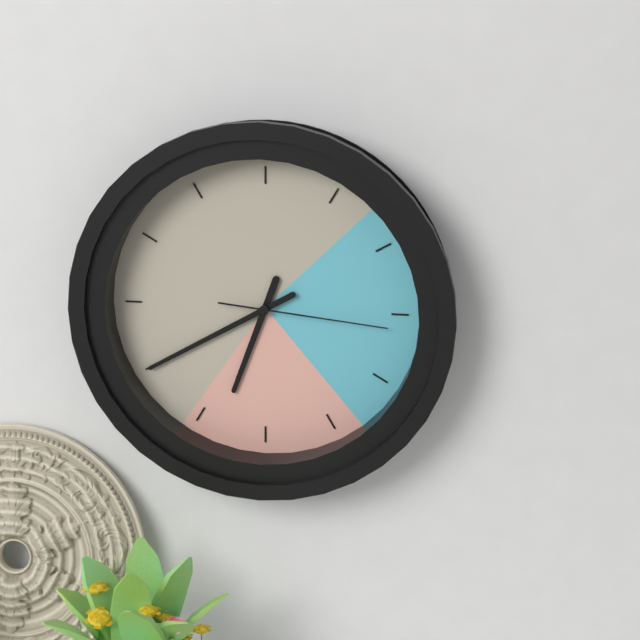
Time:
{"hour": 6, "minute": 40, "second": 16}
